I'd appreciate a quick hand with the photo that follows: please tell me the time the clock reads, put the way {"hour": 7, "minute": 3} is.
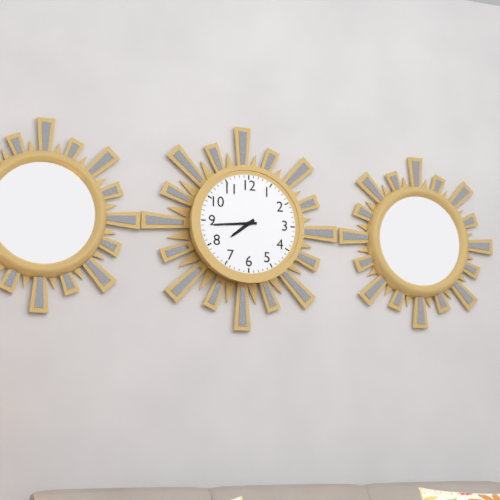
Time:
{"hour": 7, "minute": 44}
